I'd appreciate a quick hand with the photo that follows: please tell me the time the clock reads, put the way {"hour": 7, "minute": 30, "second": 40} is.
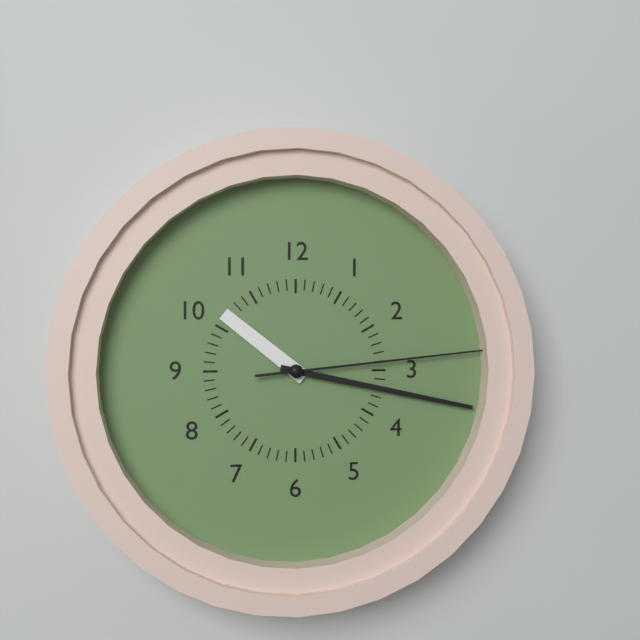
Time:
{"hour": 10, "minute": 17, "second": 14}
